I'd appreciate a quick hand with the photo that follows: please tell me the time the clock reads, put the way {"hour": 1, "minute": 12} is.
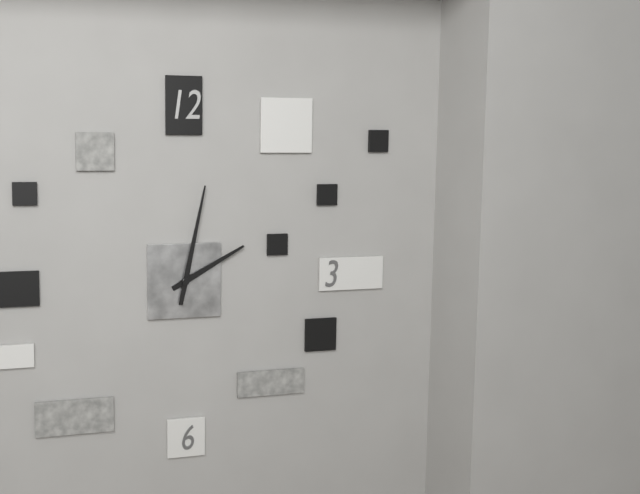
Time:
{"hour": 2, "minute": 2}
